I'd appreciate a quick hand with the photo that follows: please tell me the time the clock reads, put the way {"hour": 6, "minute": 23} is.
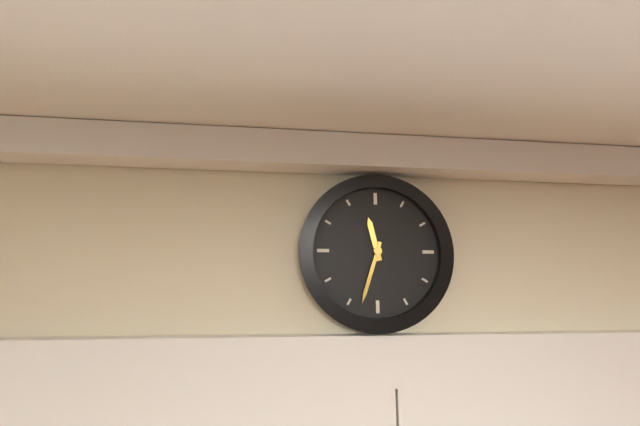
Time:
{"hour": 11, "minute": 33}
